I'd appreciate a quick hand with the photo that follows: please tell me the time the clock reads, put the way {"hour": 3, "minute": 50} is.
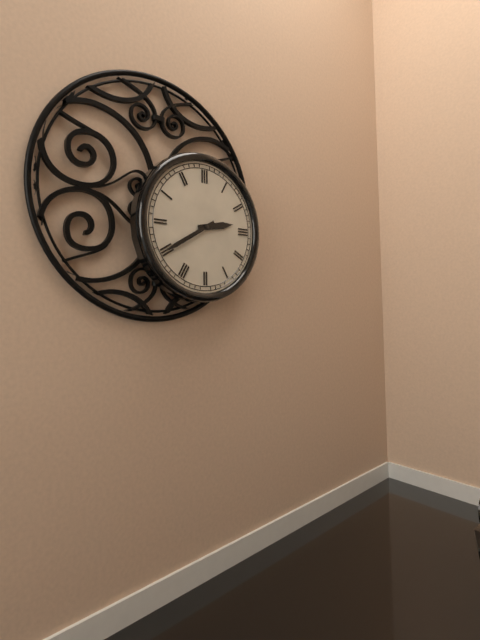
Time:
{"hour": 2, "minute": 40}
